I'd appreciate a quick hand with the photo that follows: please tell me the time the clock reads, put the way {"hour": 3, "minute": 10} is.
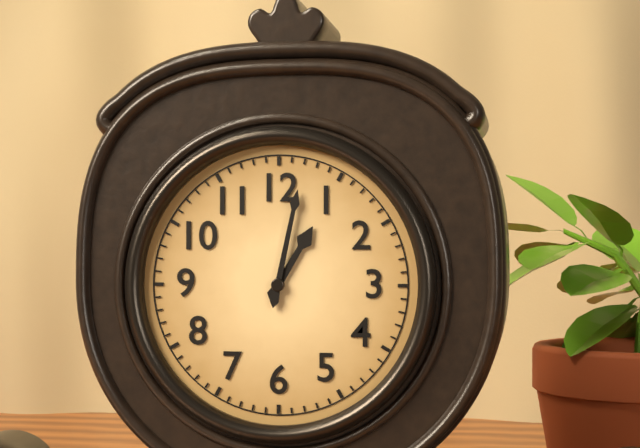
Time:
{"hour": 1, "minute": 2}
